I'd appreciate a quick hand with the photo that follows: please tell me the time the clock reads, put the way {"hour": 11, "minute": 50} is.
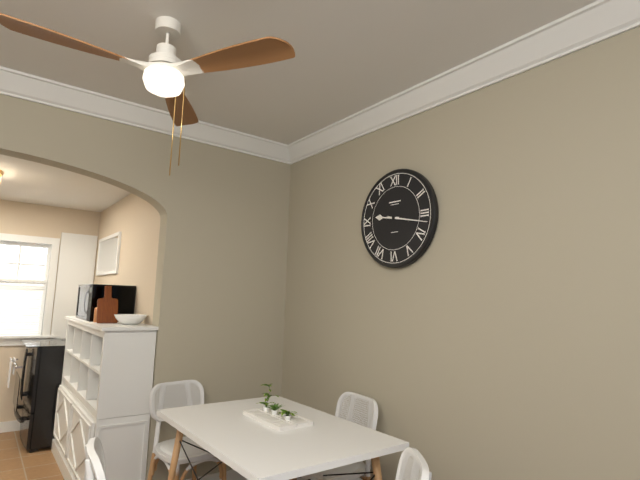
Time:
{"hour": 9, "minute": 17}
